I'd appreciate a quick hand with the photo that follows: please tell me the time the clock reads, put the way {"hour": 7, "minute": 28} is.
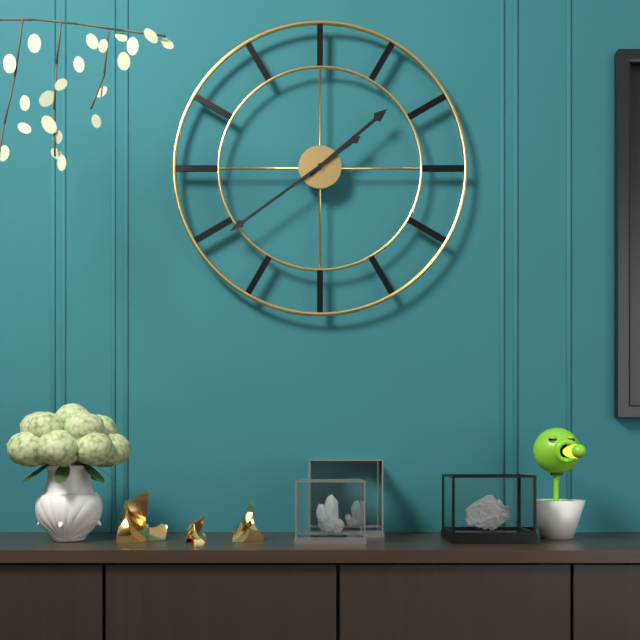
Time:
{"hour": 1, "minute": 39}
